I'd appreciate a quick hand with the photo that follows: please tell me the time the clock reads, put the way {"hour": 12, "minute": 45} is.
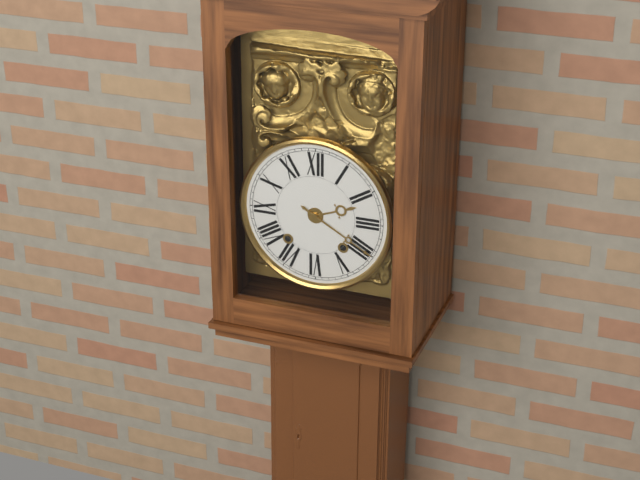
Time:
{"hour": 2, "minute": 20}
